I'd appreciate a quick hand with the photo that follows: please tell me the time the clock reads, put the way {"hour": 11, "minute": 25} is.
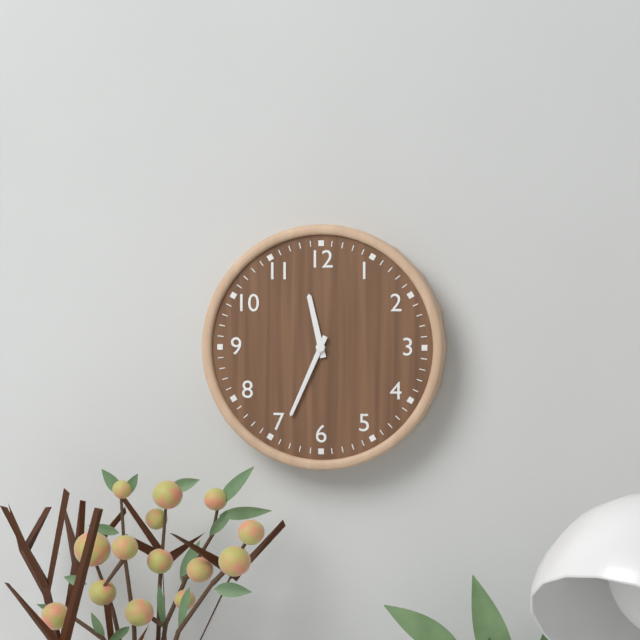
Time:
{"hour": 11, "minute": 34}
